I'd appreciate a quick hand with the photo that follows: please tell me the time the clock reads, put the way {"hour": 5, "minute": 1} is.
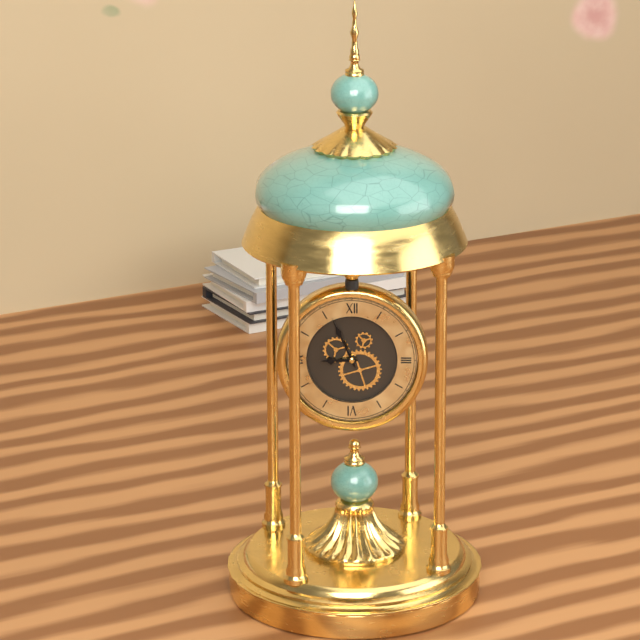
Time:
{"hour": 8, "minute": 56}
